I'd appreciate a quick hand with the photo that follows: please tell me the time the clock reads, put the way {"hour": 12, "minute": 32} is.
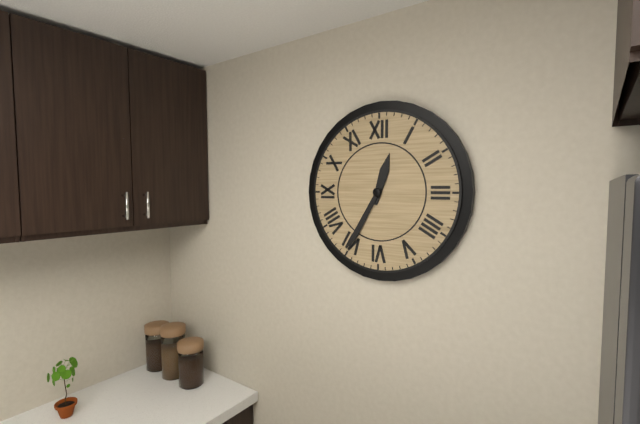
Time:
{"hour": 12, "minute": 35}
